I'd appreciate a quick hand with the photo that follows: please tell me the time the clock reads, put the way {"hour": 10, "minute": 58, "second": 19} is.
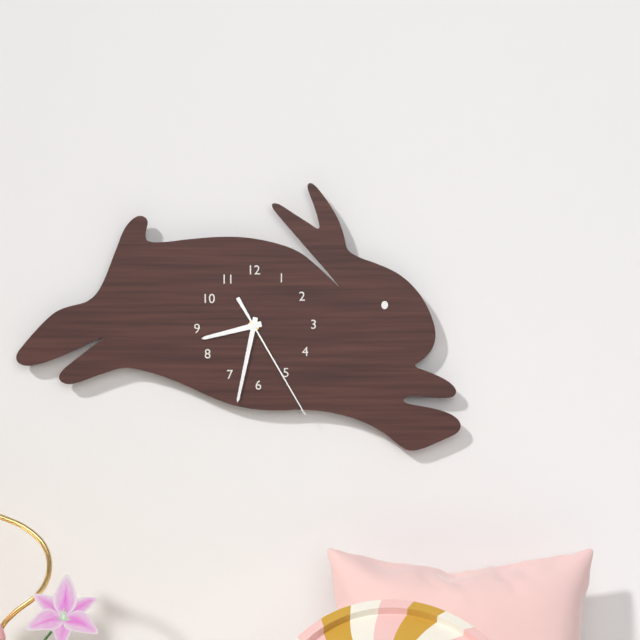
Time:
{"hour": 8, "minute": 32, "second": 25}
